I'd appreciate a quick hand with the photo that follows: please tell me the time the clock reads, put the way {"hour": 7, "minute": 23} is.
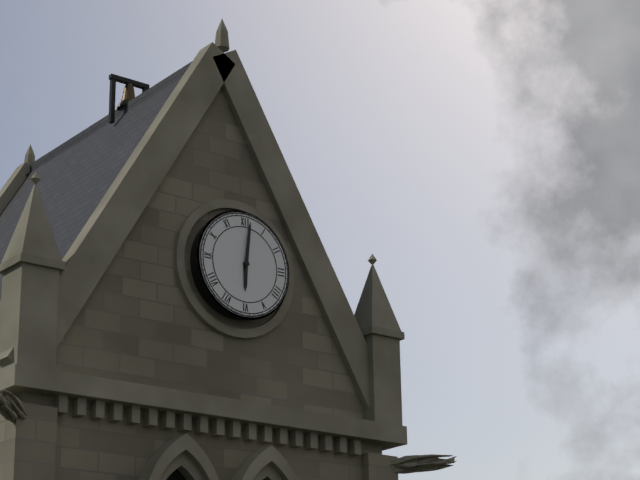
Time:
{"hour": 6, "minute": 1}
